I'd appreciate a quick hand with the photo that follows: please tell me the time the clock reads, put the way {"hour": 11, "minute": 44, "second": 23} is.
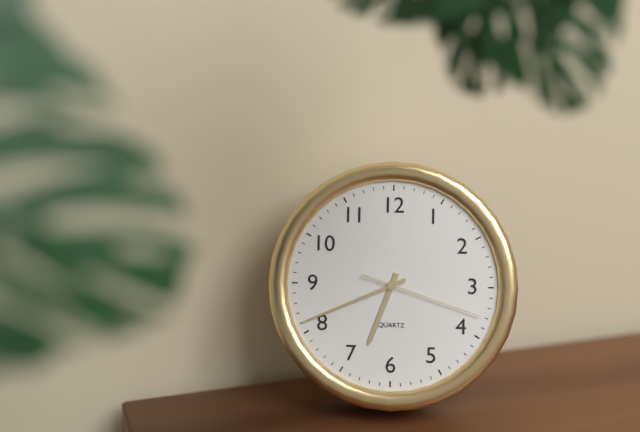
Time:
{"hour": 6, "minute": 41, "second": 18}
